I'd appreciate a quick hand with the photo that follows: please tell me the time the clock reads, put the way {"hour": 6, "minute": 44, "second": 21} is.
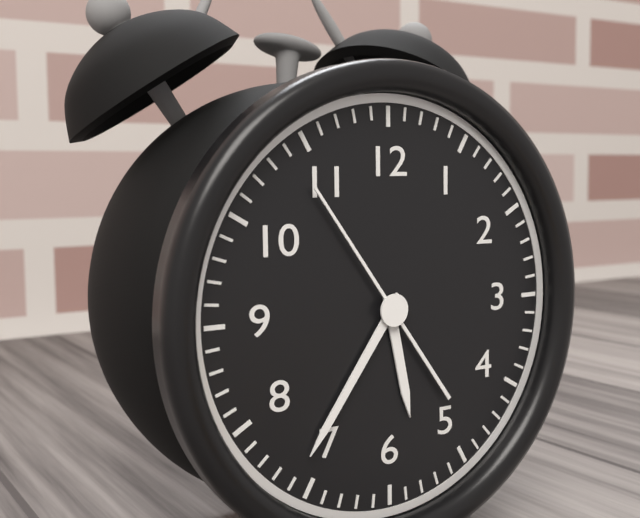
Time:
{"hour": 5, "minute": 36, "second": 54}
